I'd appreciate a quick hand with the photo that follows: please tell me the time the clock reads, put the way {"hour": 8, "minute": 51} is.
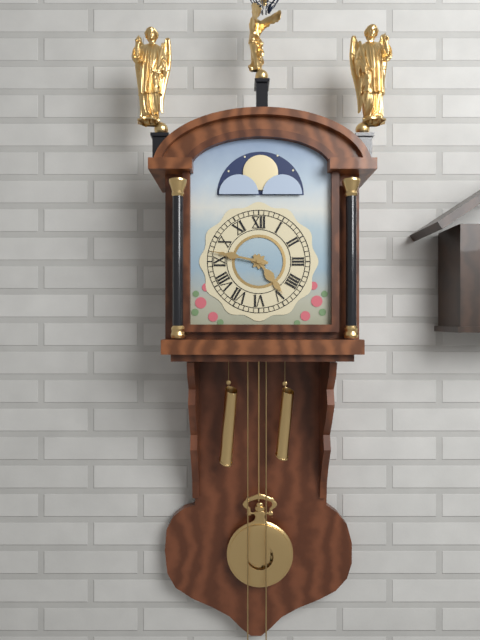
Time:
{"hour": 4, "minute": 47}
